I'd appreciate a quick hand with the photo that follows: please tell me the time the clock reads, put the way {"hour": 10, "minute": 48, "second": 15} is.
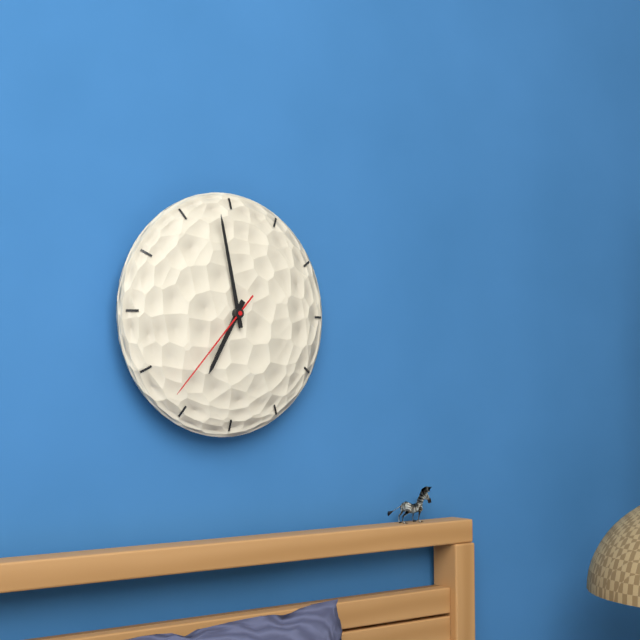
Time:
{"hour": 6, "minute": 58, "second": 37}
